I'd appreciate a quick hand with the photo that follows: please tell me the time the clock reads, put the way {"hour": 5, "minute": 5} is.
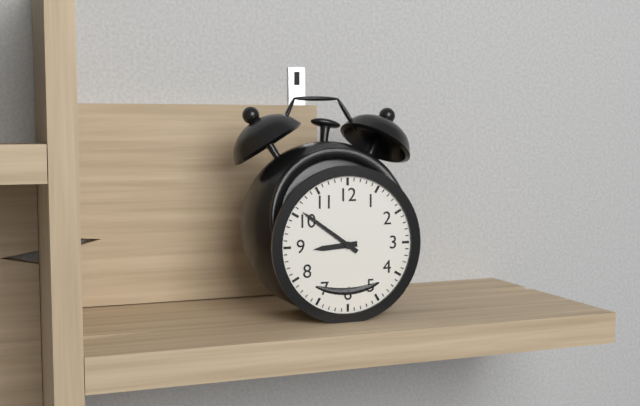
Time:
{"hour": 8, "minute": 51}
